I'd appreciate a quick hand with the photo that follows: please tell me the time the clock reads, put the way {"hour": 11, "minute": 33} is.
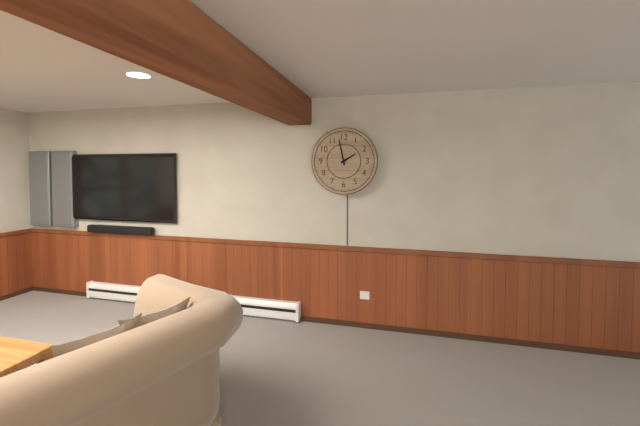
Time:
{"hour": 1, "minute": 58}
